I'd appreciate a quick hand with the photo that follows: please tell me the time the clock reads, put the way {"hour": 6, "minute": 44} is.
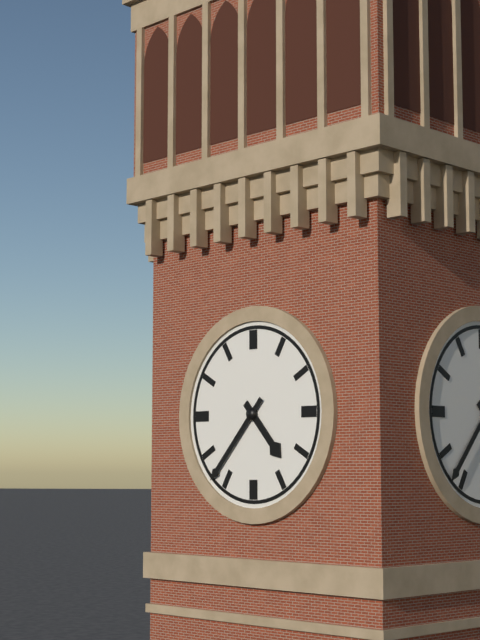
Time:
{"hour": 4, "minute": 37}
